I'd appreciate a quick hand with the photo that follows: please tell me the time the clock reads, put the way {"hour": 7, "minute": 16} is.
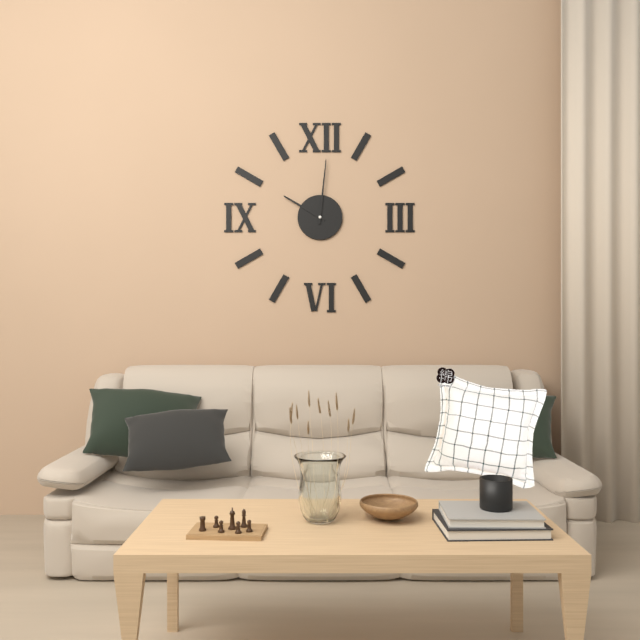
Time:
{"hour": 10, "minute": 1}
